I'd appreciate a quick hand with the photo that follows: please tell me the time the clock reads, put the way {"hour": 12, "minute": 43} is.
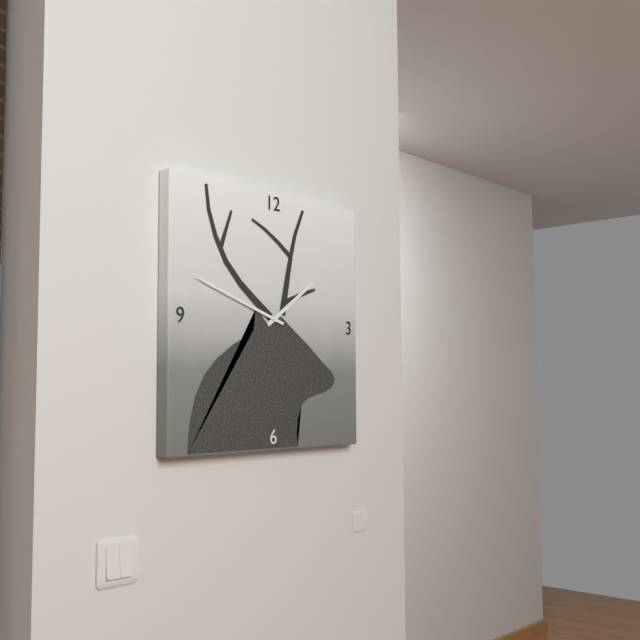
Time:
{"hour": 1, "minute": 48}
